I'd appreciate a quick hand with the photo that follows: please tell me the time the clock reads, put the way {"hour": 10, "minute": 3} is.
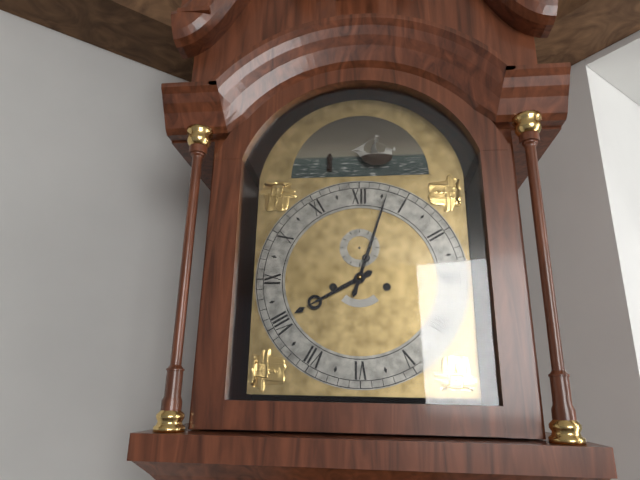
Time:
{"hour": 8, "minute": 3}
